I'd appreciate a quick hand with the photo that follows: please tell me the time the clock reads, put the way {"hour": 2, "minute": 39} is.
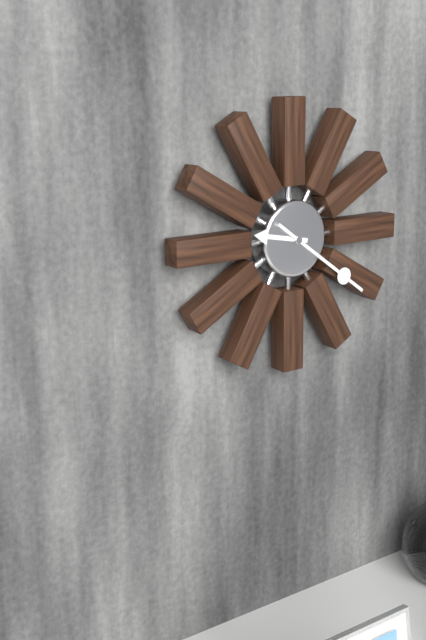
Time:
{"hour": 9, "minute": 21}
